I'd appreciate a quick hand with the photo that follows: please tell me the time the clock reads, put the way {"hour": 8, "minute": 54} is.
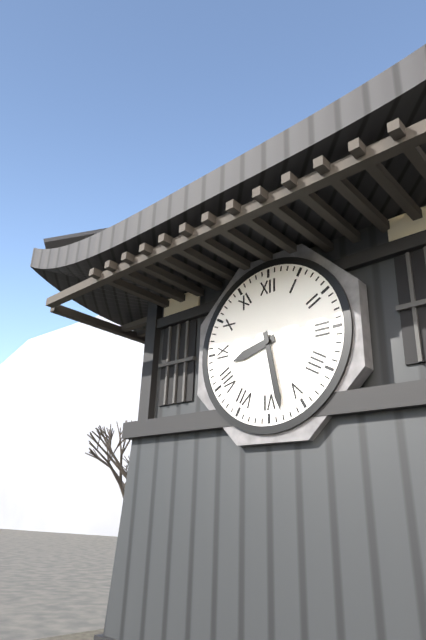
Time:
{"hour": 8, "minute": 28}
